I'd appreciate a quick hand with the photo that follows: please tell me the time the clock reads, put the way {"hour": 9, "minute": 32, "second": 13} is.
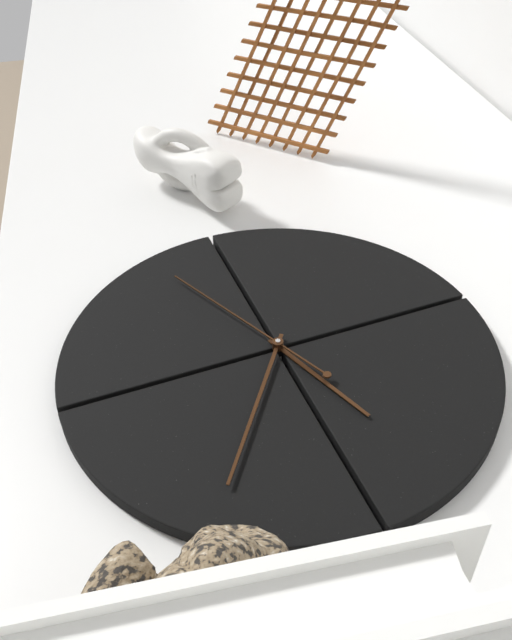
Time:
{"hour": 2, "minute": 21, "second": 41}
